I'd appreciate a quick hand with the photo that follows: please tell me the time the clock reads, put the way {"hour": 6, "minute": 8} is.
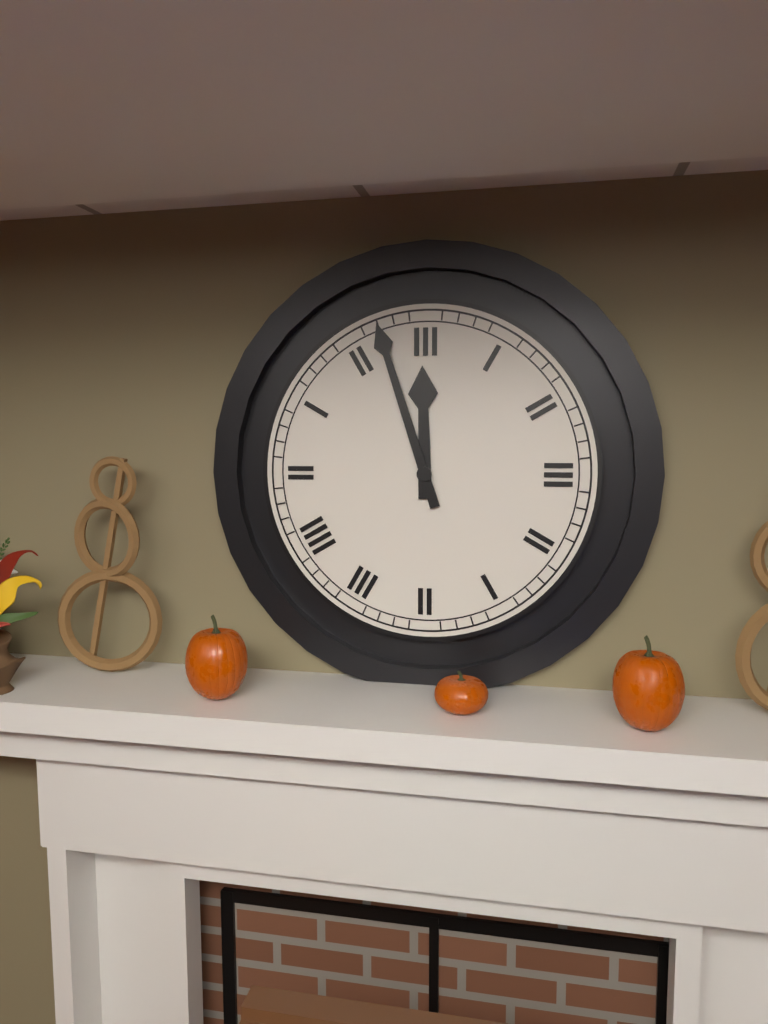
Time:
{"hour": 11, "minute": 57}
